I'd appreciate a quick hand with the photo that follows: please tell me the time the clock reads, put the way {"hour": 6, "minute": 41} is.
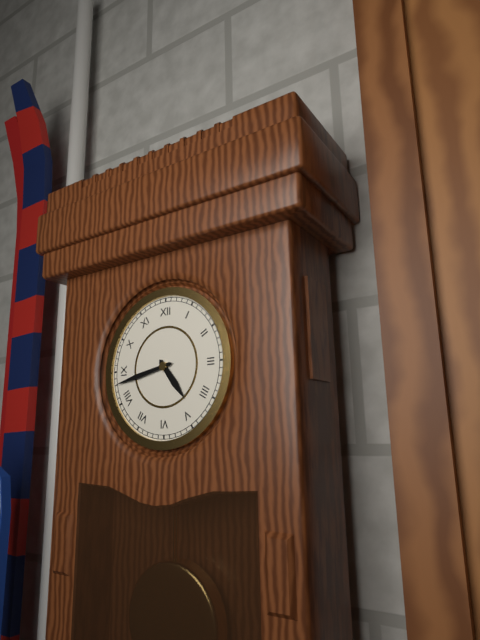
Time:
{"hour": 4, "minute": 43}
